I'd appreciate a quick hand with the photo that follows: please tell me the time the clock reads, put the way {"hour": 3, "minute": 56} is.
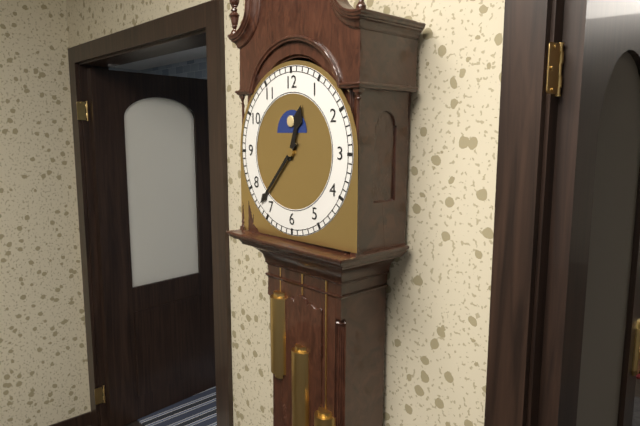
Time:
{"hour": 12, "minute": 37}
